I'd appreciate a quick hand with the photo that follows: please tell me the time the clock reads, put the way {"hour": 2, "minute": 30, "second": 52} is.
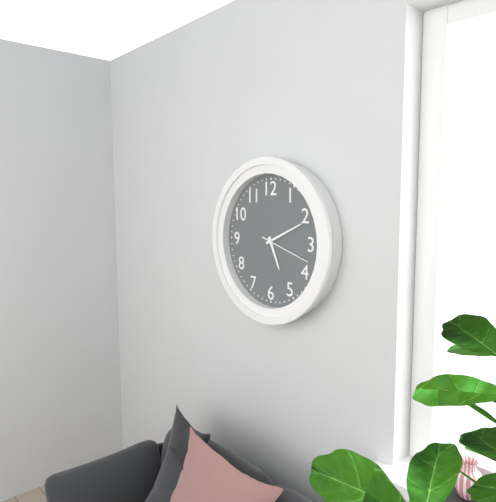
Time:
{"hour": 5, "minute": 11, "second": 18}
